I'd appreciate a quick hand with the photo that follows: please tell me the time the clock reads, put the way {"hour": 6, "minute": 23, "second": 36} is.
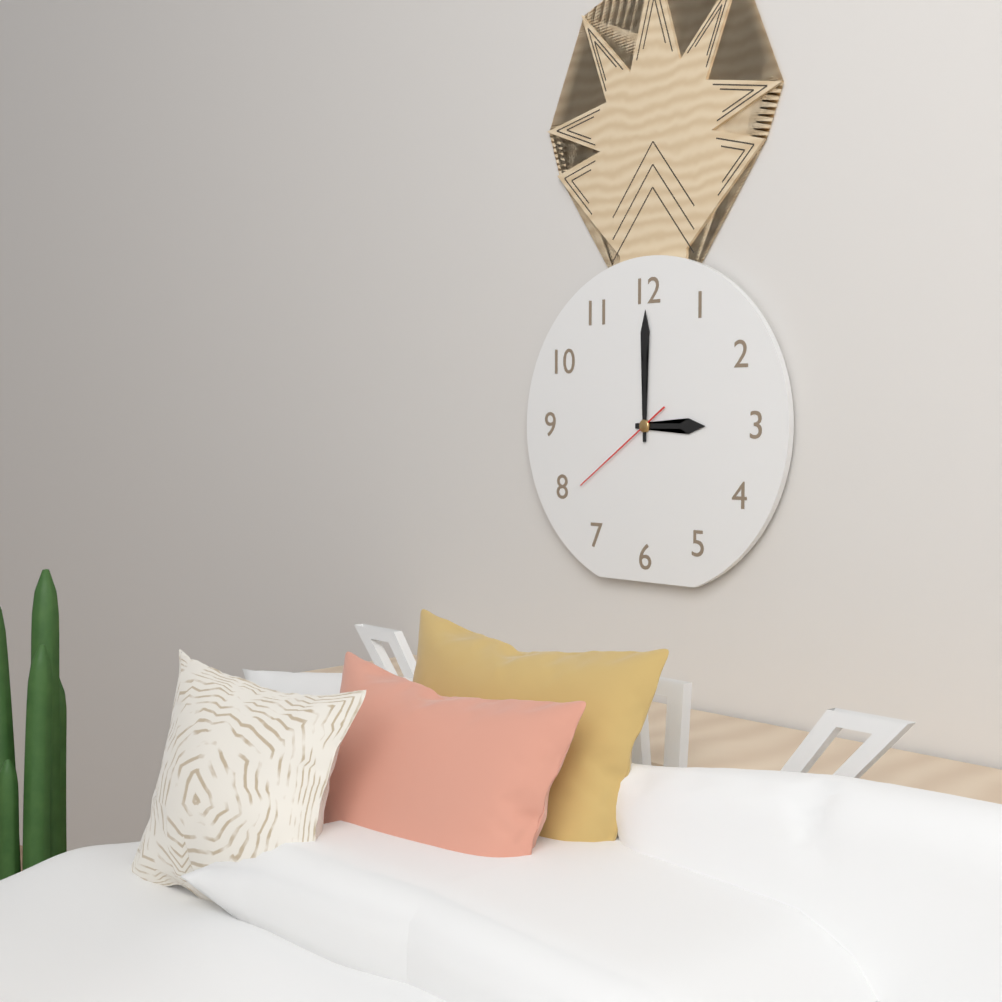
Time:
{"hour": 3, "minute": 0, "second": 39}
